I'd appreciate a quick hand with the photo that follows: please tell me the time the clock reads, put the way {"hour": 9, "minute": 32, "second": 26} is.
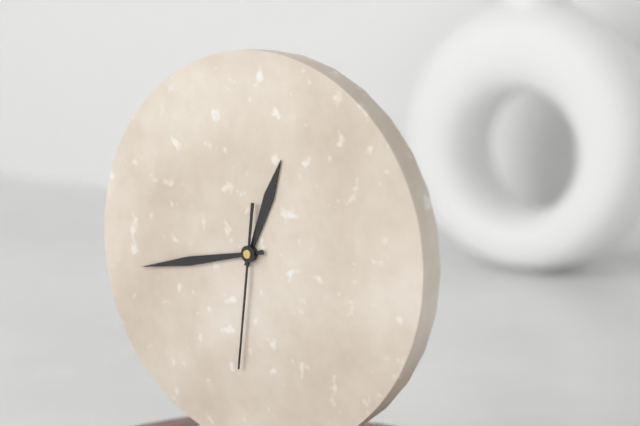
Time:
{"hour": 12, "minute": 43, "second": 31}
